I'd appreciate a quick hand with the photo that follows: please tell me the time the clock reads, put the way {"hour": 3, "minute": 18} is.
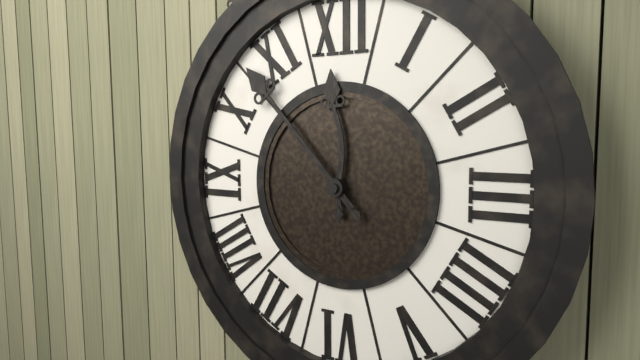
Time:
{"hour": 11, "minute": 53}
